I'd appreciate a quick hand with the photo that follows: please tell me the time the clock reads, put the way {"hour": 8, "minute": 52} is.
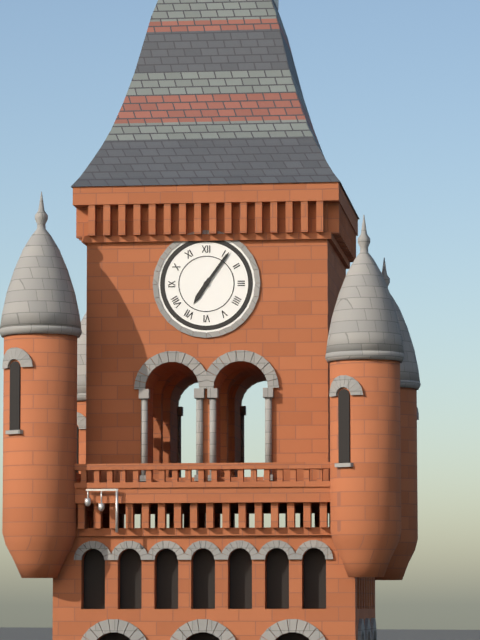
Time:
{"hour": 7, "minute": 6}
